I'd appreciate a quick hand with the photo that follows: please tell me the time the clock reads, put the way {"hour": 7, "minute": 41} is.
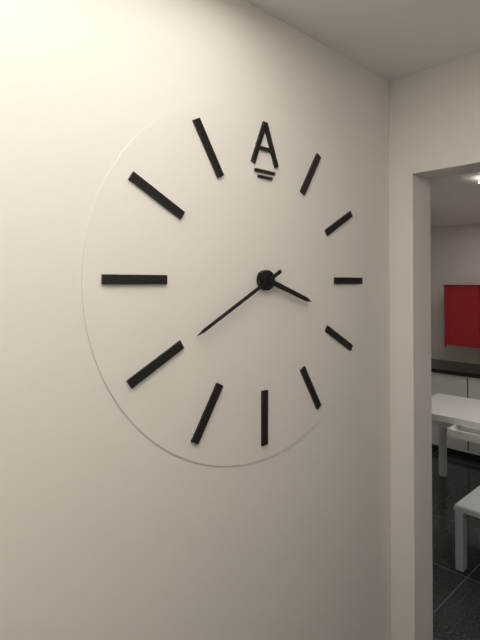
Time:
{"hour": 3, "minute": 40}
